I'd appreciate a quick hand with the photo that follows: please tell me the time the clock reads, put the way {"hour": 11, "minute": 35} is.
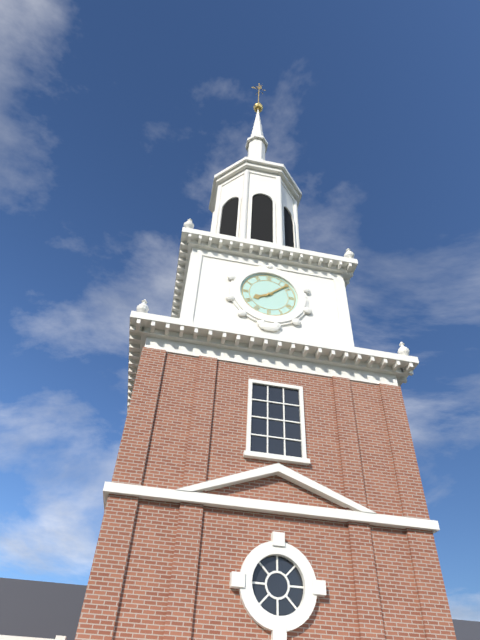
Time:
{"hour": 8, "minute": 8}
